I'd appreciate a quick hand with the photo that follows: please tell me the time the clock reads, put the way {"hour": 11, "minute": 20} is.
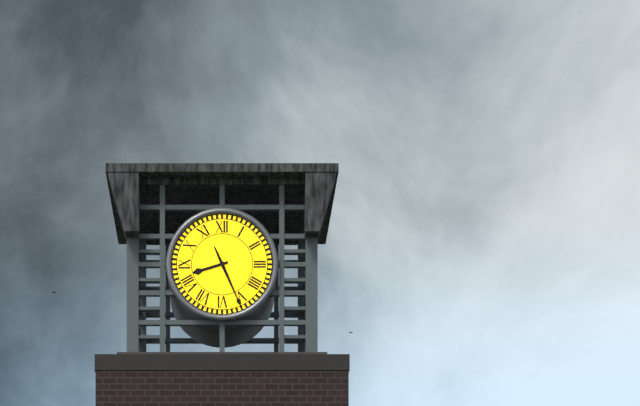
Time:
{"hour": 8, "minute": 26}
